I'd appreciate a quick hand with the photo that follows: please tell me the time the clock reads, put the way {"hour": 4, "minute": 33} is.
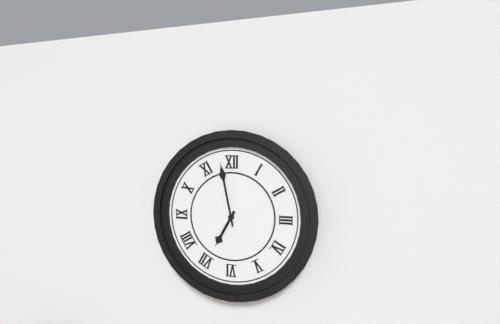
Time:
{"hour": 6, "minute": 58}
